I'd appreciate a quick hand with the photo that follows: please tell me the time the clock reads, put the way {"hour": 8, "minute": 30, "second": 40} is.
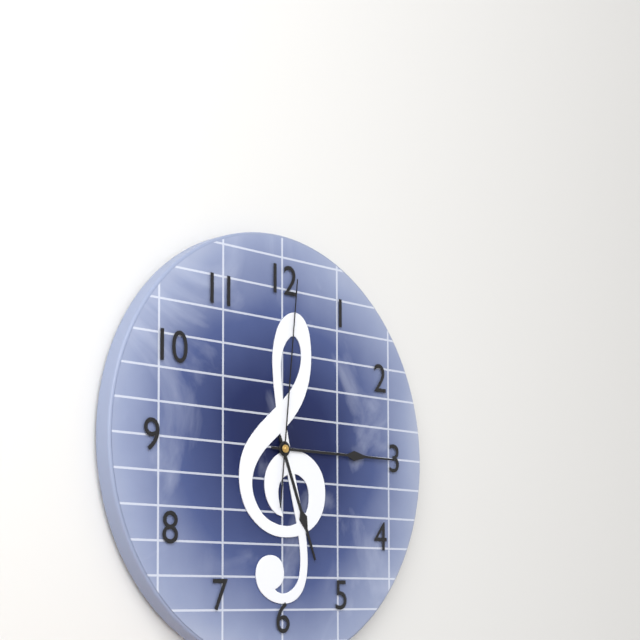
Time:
{"hour": 5, "minute": 15, "second": 1}
